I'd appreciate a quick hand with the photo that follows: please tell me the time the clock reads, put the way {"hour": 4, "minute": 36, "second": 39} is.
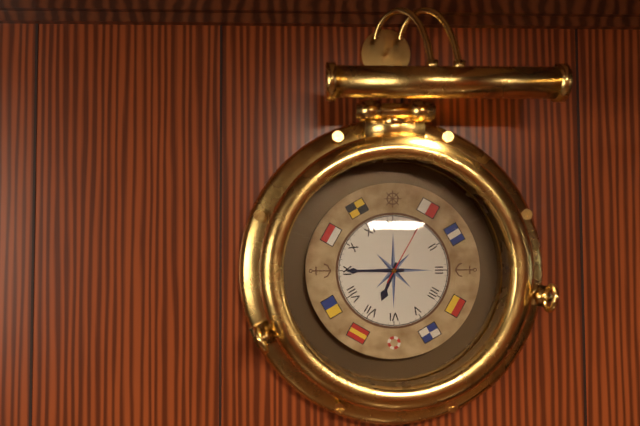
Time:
{"hour": 6, "minute": 45, "second": 5}
